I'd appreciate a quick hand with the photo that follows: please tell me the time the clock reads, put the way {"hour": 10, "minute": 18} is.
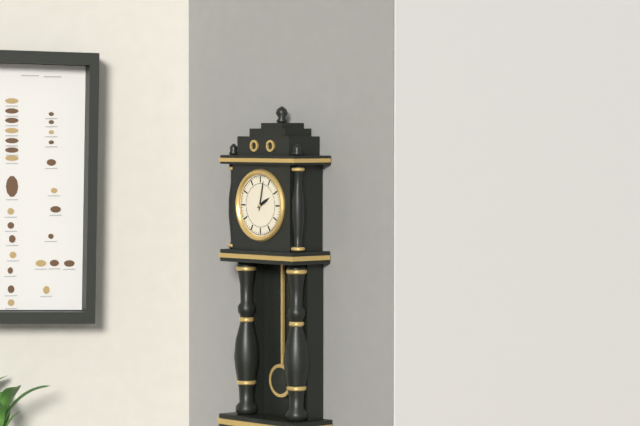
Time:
{"hour": 2, "minute": 2}
